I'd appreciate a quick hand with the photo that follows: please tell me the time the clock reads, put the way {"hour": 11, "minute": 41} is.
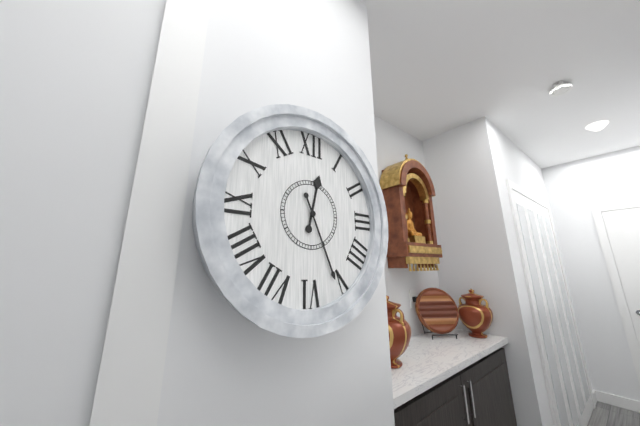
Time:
{"hour": 12, "minute": 26}
